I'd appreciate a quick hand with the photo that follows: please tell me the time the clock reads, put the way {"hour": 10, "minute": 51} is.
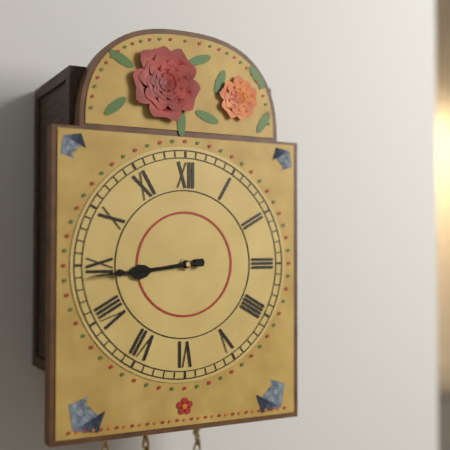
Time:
{"hour": 8, "minute": 44}
